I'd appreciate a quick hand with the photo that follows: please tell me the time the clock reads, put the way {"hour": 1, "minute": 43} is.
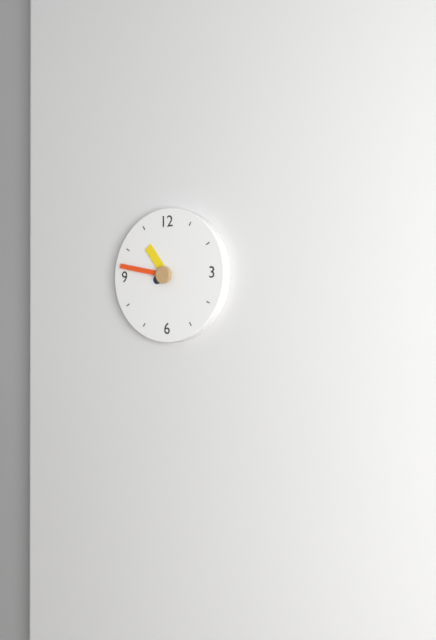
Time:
{"hour": 10, "minute": 47}
